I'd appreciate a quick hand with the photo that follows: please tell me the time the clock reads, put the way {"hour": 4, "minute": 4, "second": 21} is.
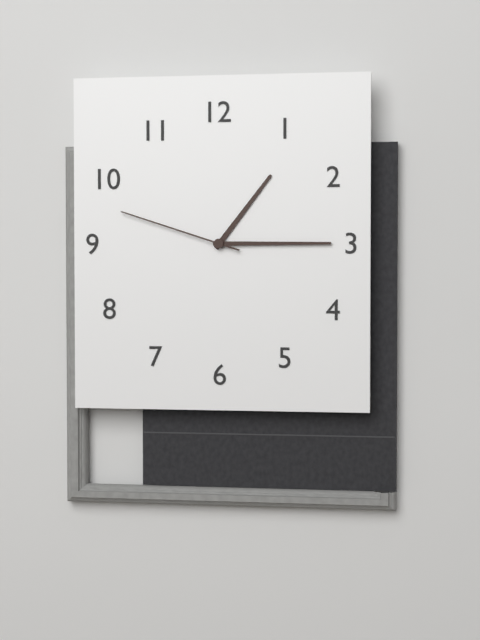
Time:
{"hour": 1, "minute": 15, "second": 48}
